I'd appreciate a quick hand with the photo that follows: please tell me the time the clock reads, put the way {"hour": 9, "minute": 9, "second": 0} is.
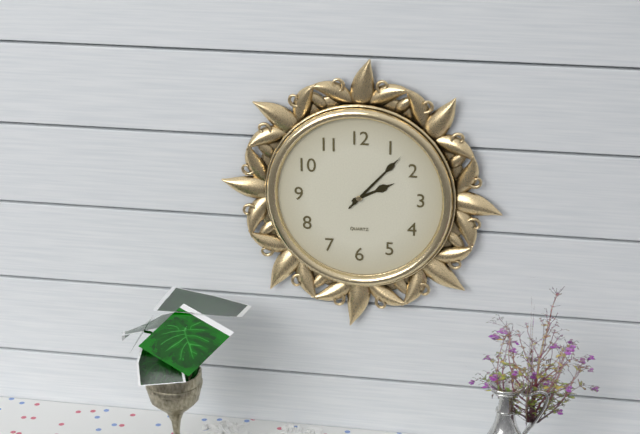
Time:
{"hour": 2, "minute": 7, "second": 7}
